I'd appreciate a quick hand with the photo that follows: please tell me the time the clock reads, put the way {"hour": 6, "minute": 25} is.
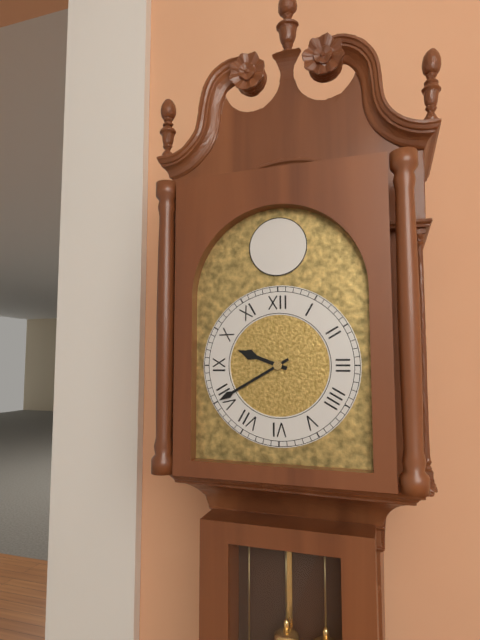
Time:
{"hour": 9, "minute": 40}
